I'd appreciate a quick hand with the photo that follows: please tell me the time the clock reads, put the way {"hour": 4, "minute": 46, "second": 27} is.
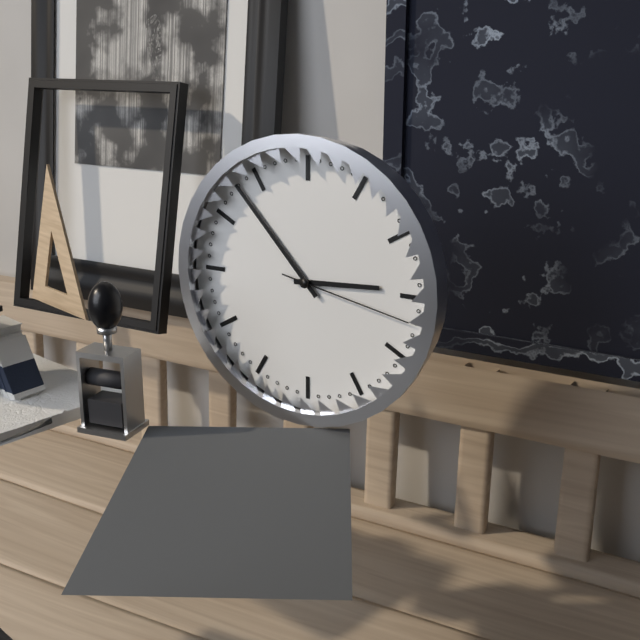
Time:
{"hour": 2, "minute": 53, "second": 17}
